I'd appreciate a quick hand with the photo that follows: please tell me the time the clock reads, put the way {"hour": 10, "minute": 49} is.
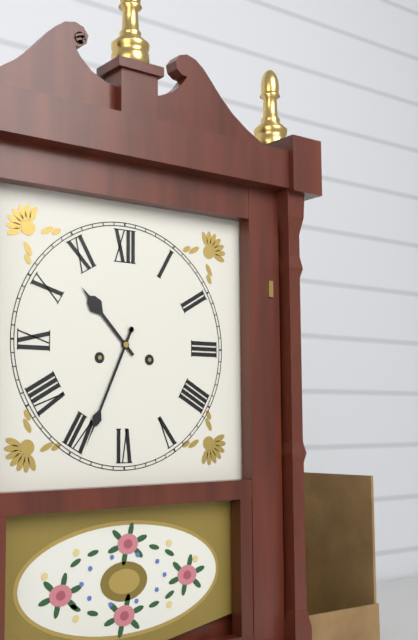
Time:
{"hour": 10, "minute": 34}
